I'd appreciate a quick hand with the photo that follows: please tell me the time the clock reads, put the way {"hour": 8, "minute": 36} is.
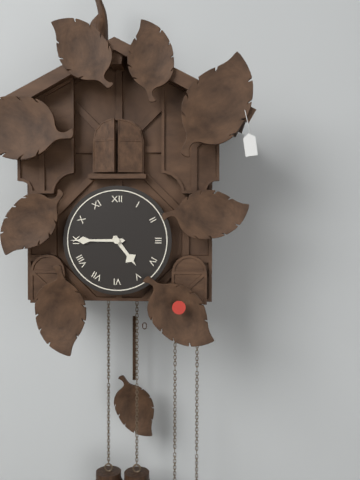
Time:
{"hour": 4, "minute": 45}
